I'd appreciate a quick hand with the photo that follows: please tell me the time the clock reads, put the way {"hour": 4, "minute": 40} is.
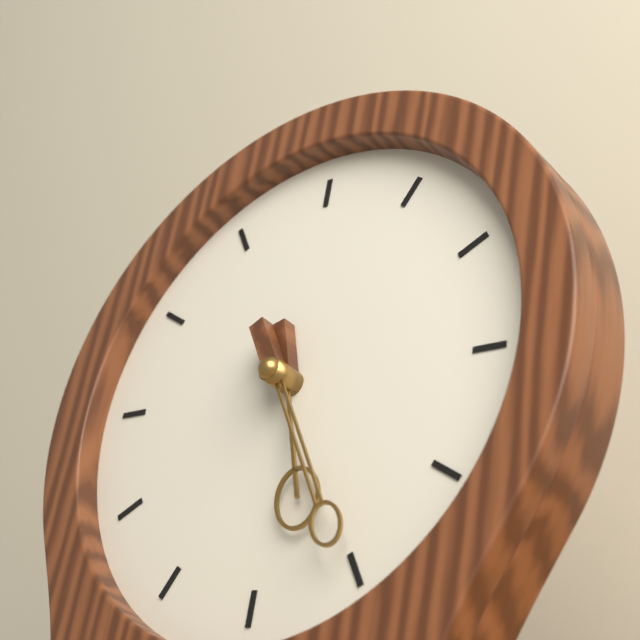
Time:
{"hour": 5, "minute": 25}
